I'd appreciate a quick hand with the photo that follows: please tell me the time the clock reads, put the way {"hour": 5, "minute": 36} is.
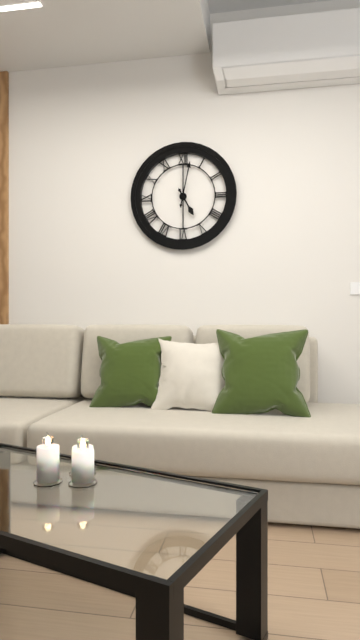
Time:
{"hour": 5, "minute": 2}
